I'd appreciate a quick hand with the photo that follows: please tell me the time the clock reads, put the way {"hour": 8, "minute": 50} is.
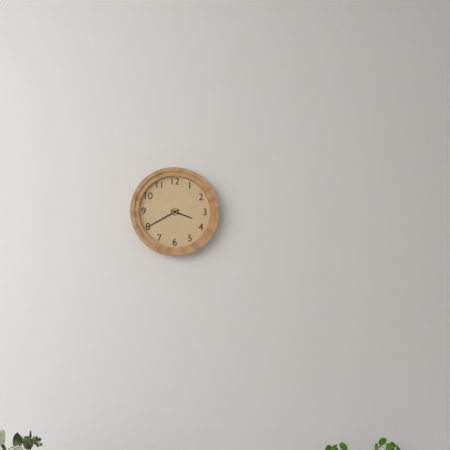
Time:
{"hour": 3, "minute": 40}
